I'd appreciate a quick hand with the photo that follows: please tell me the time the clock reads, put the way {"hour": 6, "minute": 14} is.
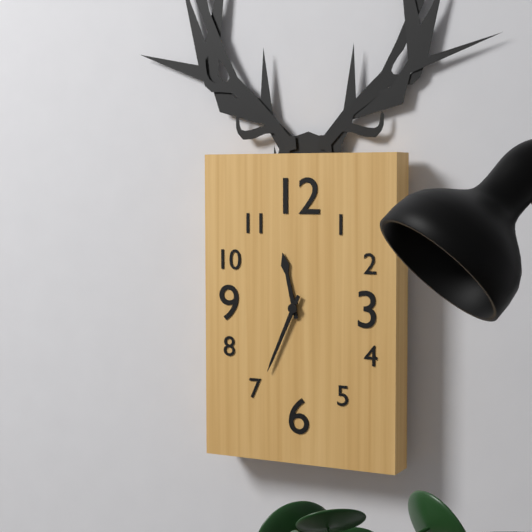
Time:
{"hour": 11, "minute": 34}
